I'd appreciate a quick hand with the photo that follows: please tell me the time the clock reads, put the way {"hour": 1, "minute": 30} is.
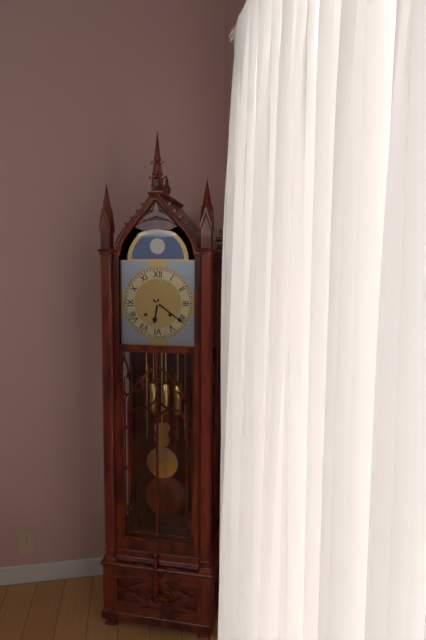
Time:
{"hour": 6, "minute": 21}
